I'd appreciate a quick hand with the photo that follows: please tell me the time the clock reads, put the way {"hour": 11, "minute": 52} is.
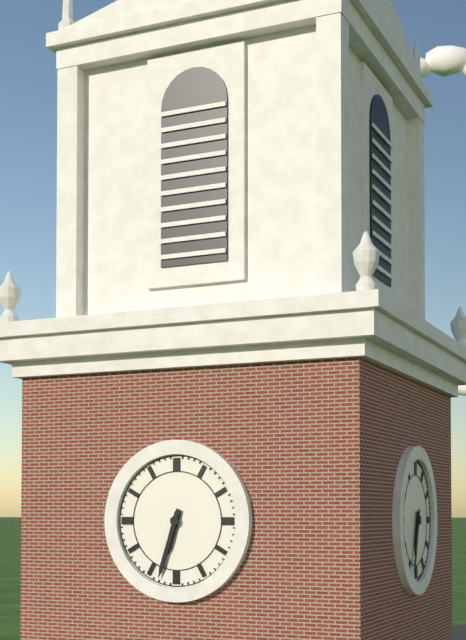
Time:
{"hour": 6, "minute": 33}
